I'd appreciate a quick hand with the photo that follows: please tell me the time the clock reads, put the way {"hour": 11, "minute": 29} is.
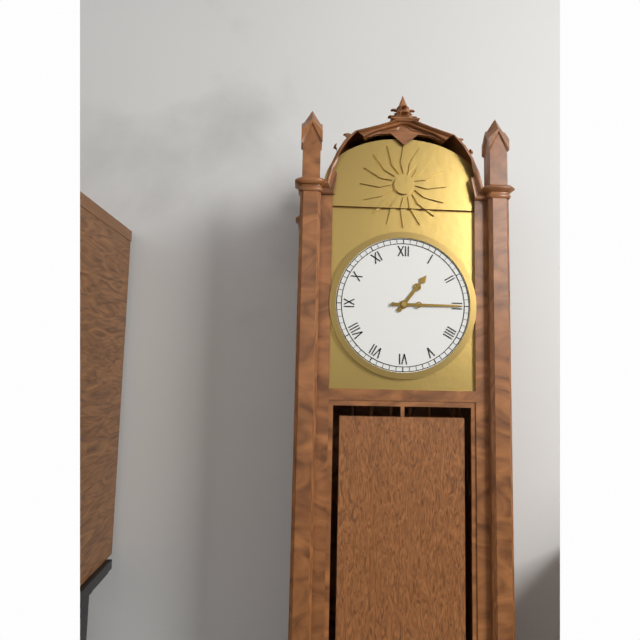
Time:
{"hour": 1, "minute": 15}
